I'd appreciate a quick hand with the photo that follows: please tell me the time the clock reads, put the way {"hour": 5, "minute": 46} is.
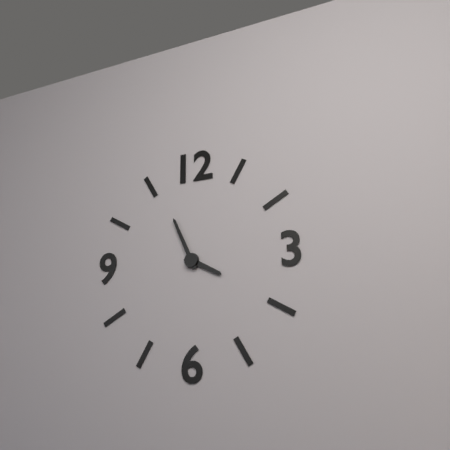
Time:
{"hour": 3, "minute": 56}
